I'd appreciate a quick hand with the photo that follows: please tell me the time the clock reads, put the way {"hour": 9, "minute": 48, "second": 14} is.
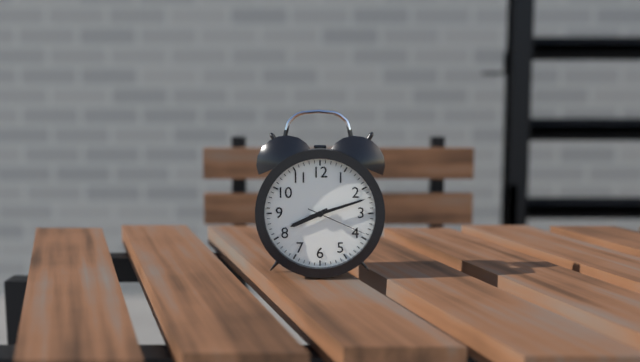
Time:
{"hour": 8, "minute": 12, "second": 19}
